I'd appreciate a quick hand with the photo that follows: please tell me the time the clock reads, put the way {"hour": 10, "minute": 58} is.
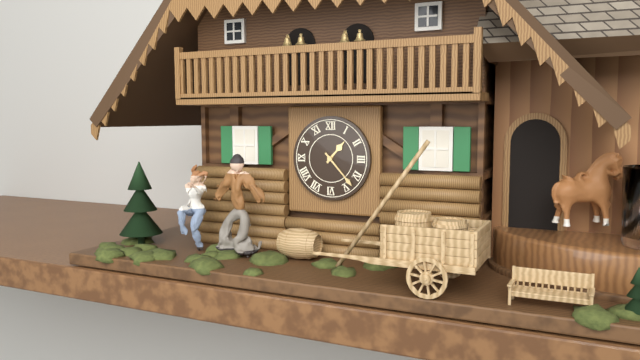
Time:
{"hour": 1, "minute": 23}
